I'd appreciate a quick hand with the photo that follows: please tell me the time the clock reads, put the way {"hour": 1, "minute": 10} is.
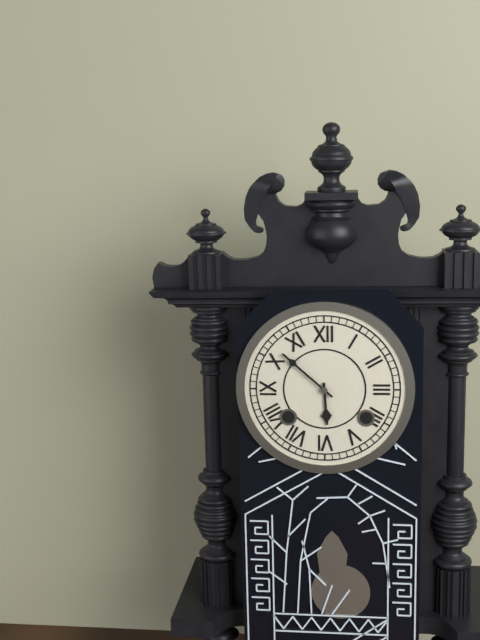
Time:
{"hour": 5, "minute": 52}
